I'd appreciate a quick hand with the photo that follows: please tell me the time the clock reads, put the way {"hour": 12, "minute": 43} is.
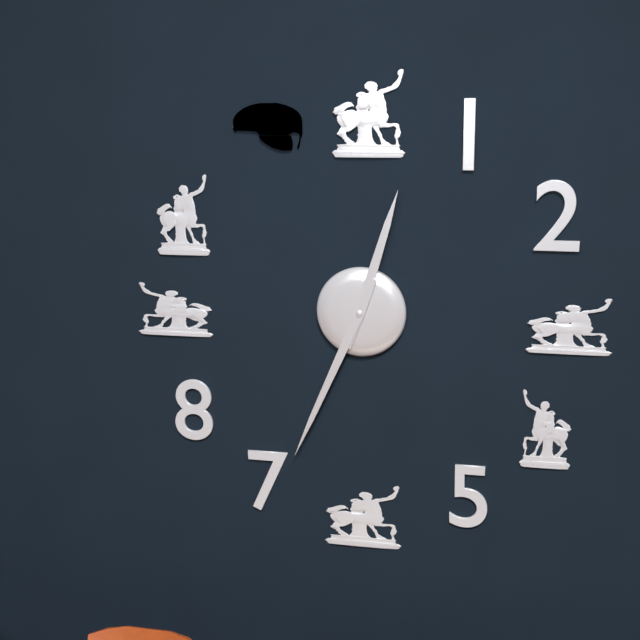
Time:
{"hour": 12, "minute": 34}
